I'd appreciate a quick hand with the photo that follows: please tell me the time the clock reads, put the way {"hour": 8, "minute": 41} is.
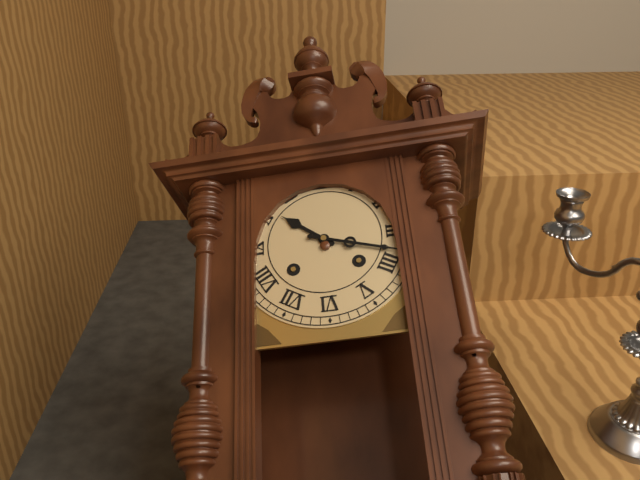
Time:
{"hour": 10, "minute": 18}
